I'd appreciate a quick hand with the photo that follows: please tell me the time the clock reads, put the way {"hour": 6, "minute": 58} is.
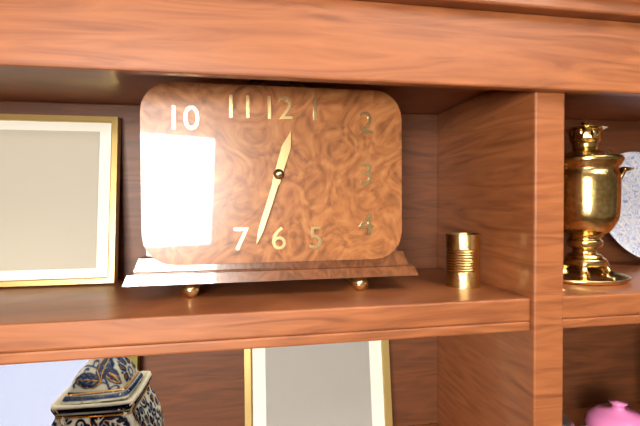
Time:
{"hour": 12, "minute": 33}
